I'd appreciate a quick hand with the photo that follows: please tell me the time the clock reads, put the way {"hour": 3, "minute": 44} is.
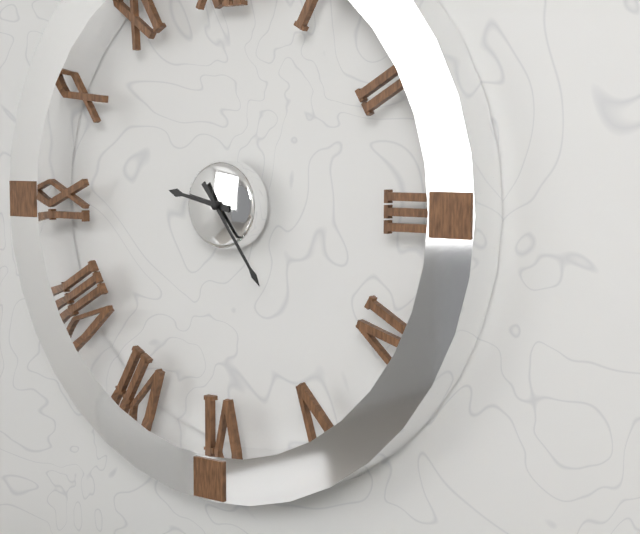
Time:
{"hour": 9, "minute": 24}
